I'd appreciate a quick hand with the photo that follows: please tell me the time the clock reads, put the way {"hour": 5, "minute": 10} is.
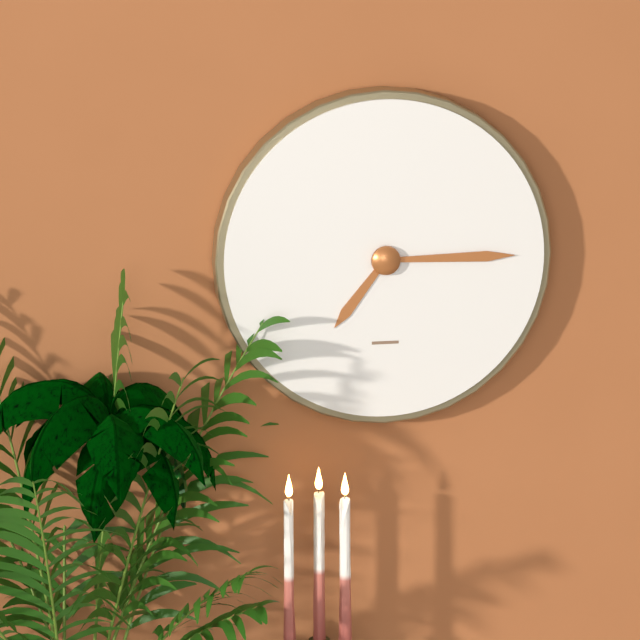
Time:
{"hour": 7, "minute": 15}
